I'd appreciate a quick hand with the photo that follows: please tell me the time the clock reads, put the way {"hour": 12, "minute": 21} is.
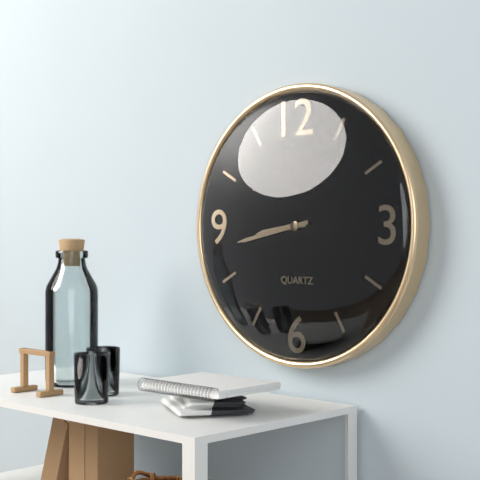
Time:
{"hour": 8, "minute": 43}
